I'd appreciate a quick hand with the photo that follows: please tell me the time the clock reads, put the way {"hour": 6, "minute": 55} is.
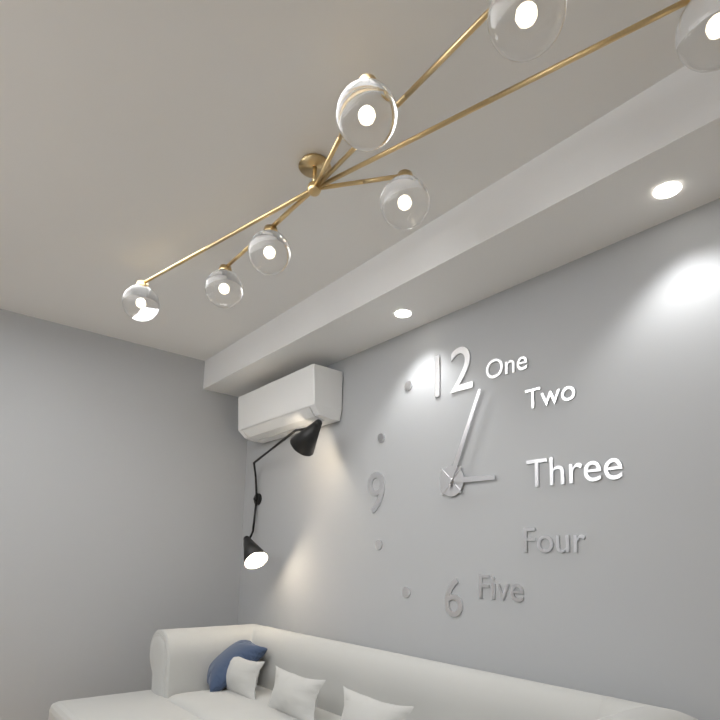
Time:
{"hour": 3, "minute": 4}
